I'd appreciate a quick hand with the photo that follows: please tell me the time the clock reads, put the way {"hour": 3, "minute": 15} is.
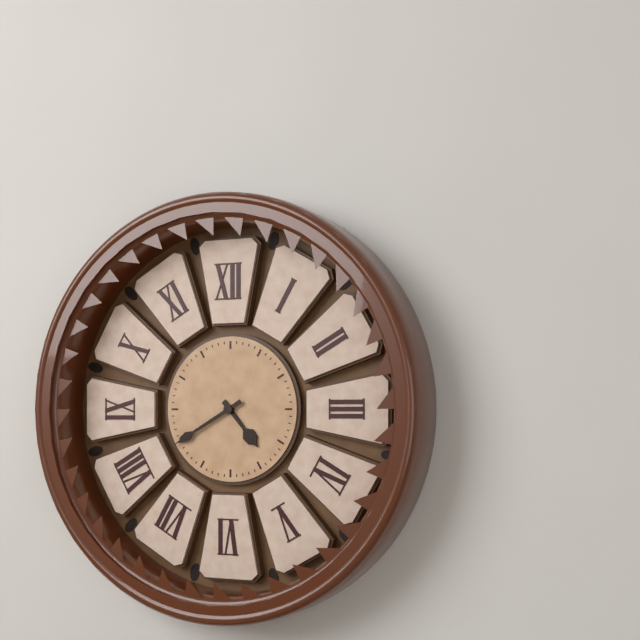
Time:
{"hour": 4, "minute": 40}
